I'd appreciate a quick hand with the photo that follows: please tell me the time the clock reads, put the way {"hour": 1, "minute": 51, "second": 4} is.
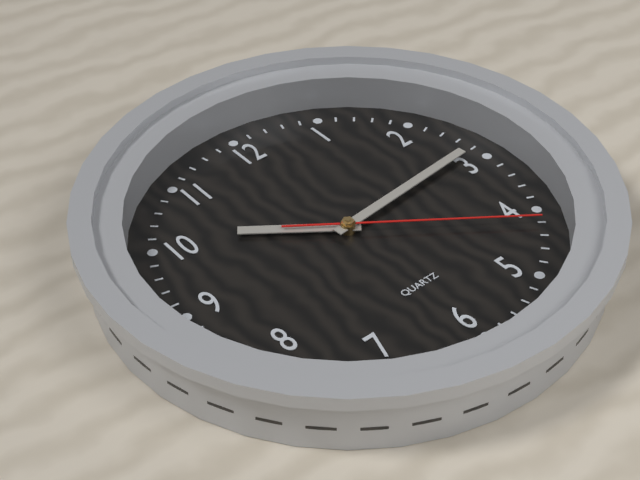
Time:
{"hour": 10, "minute": 14, "second": 21}
